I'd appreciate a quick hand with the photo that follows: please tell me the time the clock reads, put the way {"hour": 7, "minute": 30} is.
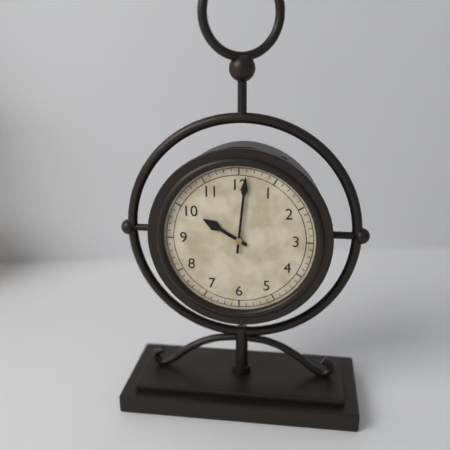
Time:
{"hour": 10, "minute": 1}
